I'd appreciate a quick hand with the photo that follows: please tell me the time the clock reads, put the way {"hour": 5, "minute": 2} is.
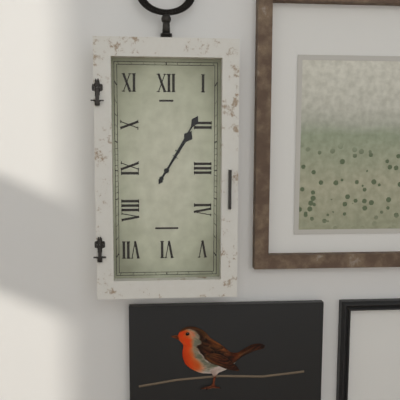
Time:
{"hour": 1, "minute": 5}
